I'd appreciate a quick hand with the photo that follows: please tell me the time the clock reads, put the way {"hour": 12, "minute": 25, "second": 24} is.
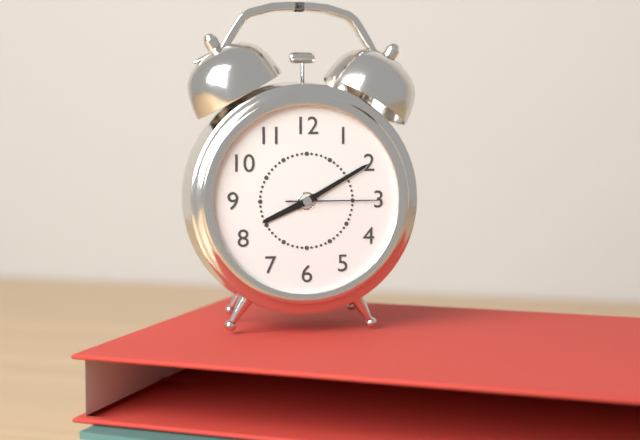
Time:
{"hour": 8, "minute": 10, "second": 15}
